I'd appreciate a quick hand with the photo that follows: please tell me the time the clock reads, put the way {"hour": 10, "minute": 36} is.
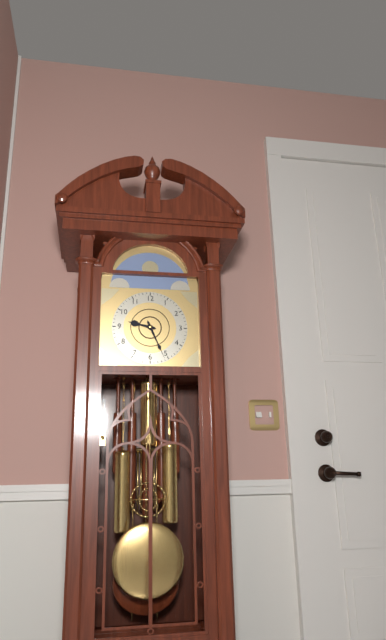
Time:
{"hour": 9, "minute": 26}
